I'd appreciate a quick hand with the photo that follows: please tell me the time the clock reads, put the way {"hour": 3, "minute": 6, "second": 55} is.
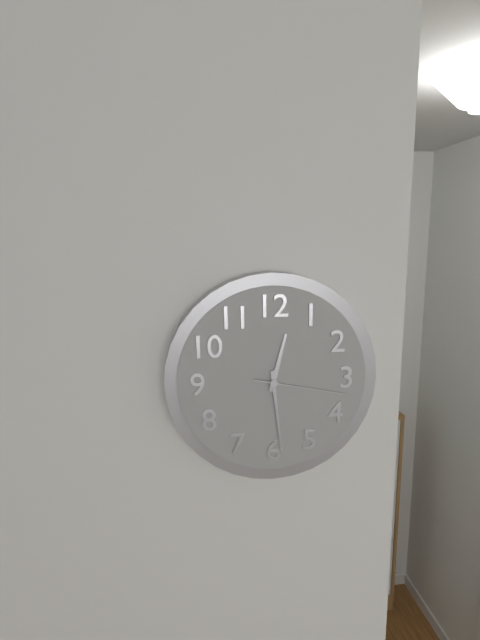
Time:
{"hour": 12, "minute": 29, "second": 17}
